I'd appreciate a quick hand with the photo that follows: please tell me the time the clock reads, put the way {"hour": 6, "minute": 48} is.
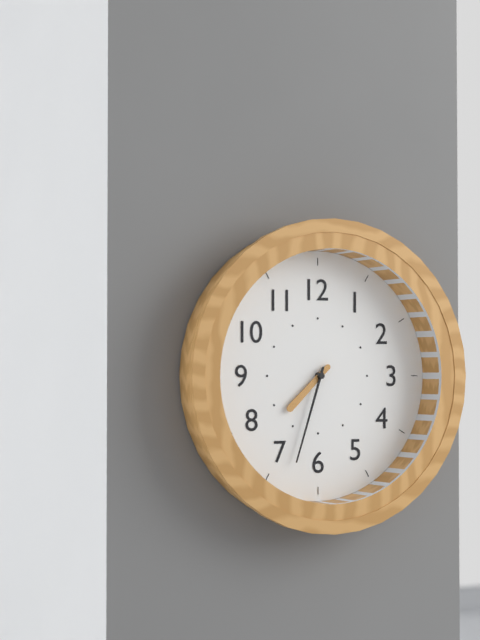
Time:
{"hour": 7, "minute": 33}
